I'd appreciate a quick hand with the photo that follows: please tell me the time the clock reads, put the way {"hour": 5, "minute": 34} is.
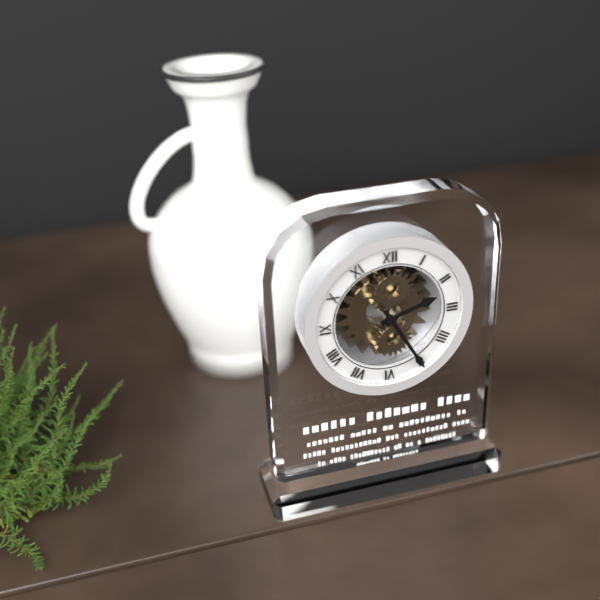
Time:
{"hour": 2, "minute": 25}
